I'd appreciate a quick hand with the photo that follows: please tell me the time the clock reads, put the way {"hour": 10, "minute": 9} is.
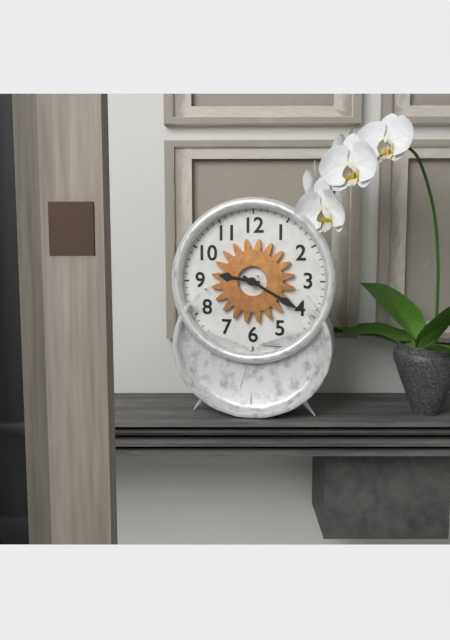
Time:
{"hour": 9, "minute": 20}
